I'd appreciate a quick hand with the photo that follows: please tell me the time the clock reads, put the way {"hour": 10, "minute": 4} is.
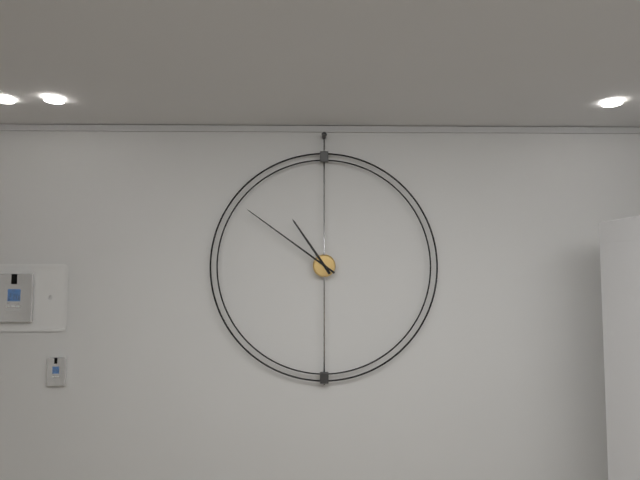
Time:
{"hour": 10, "minute": 51}
